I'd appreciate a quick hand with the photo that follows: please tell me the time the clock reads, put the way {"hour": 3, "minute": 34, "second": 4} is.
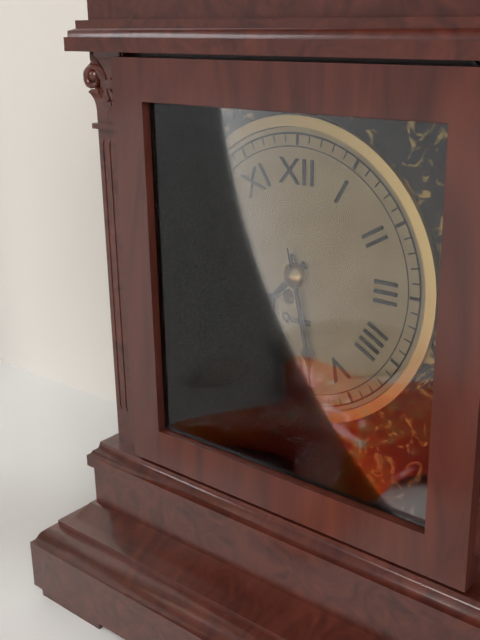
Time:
{"hour": 7, "minute": 28, "second": 28}
